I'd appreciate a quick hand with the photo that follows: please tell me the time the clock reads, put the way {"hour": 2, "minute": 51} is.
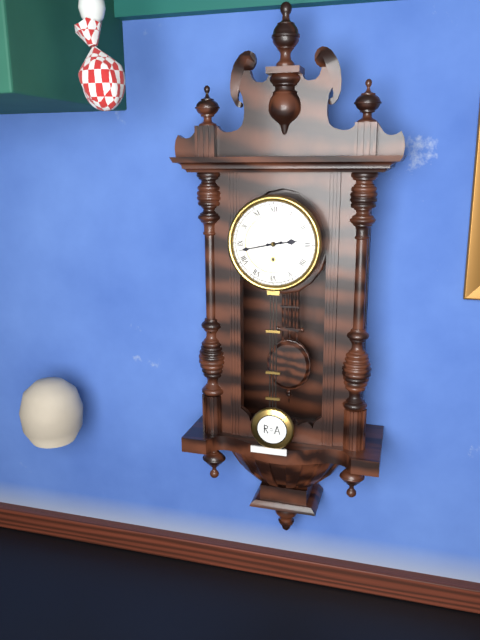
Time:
{"hour": 2, "minute": 43}
